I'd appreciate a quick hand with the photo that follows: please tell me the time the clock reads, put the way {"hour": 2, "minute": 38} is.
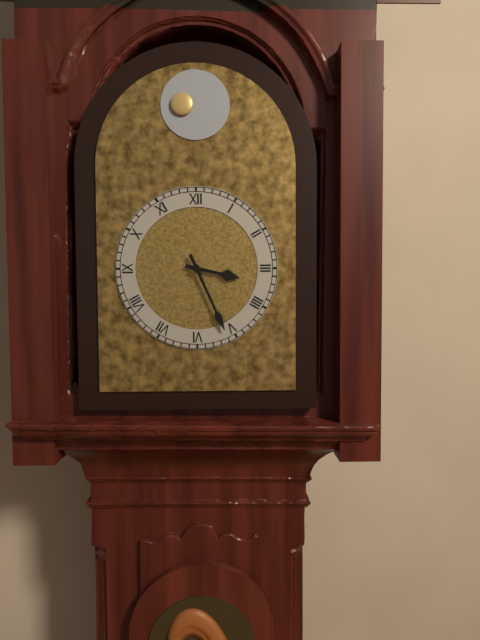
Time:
{"hour": 3, "minute": 26}
